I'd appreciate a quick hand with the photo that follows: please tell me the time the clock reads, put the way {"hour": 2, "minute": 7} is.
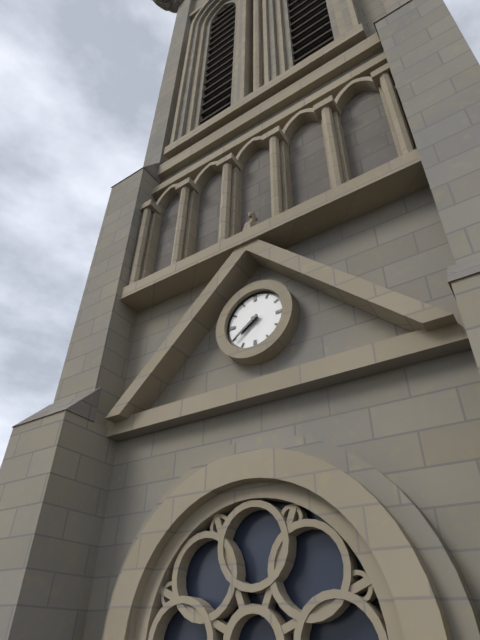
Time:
{"hour": 7, "minute": 39}
